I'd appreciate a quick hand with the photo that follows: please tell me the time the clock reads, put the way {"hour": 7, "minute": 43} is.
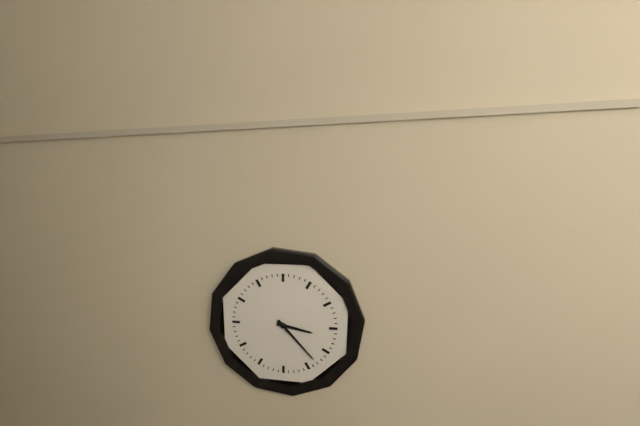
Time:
{"hour": 3, "minute": 23}
